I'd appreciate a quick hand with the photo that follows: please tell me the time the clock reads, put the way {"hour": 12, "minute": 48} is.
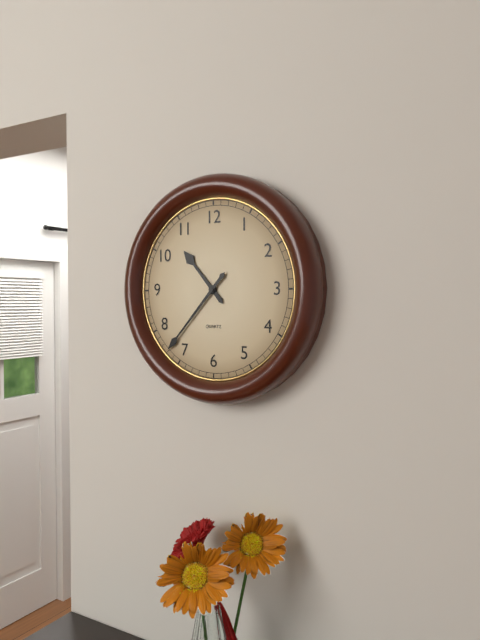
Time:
{"hour": 10, "minute": 37}
